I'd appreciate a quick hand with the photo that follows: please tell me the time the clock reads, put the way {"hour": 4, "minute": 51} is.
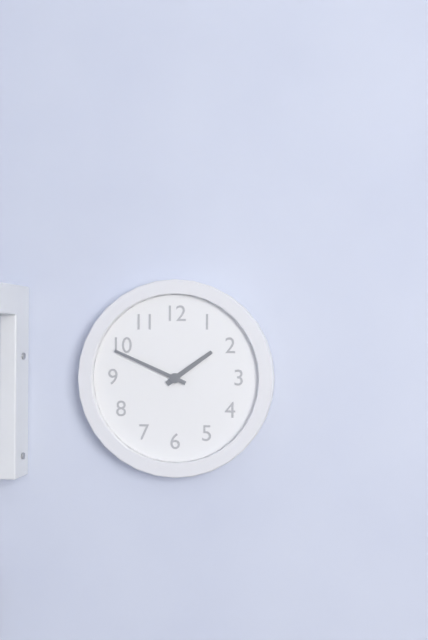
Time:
{"hour": 1, "minute": 49}
